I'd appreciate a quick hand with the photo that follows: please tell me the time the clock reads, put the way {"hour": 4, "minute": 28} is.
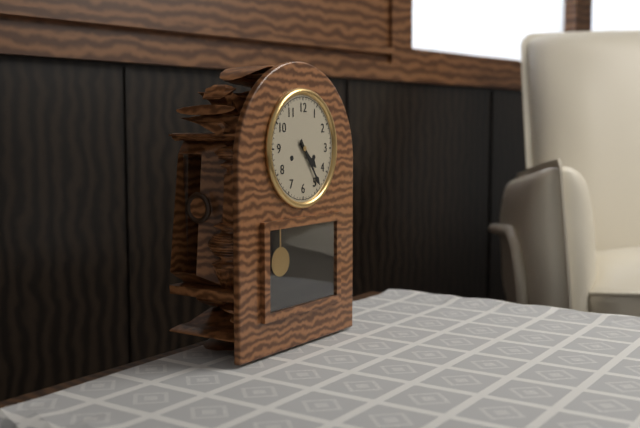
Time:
{"hour": 4, "minute": 24}
